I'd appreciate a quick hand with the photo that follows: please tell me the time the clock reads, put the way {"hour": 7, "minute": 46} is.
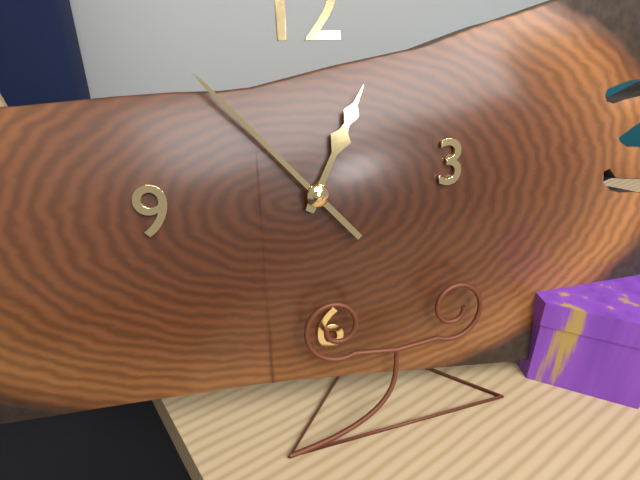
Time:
{"hour": 12, "minute": 53}
